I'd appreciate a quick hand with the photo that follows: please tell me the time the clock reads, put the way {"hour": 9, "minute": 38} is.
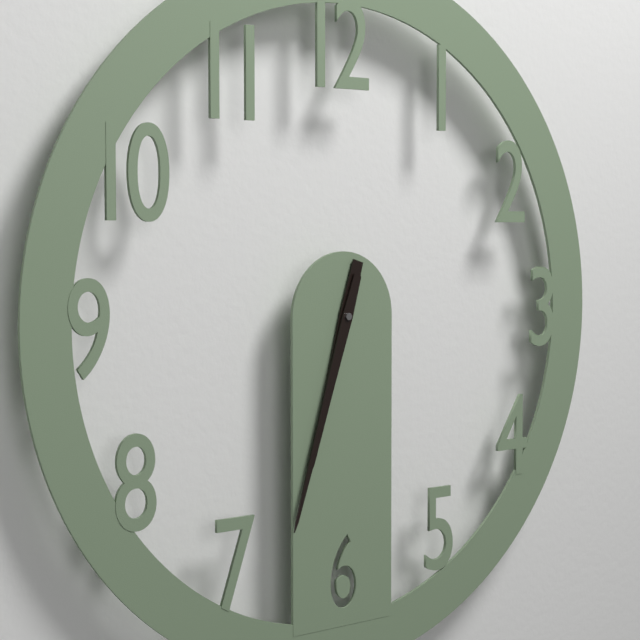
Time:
{"hour": 6, "minute": 33}
